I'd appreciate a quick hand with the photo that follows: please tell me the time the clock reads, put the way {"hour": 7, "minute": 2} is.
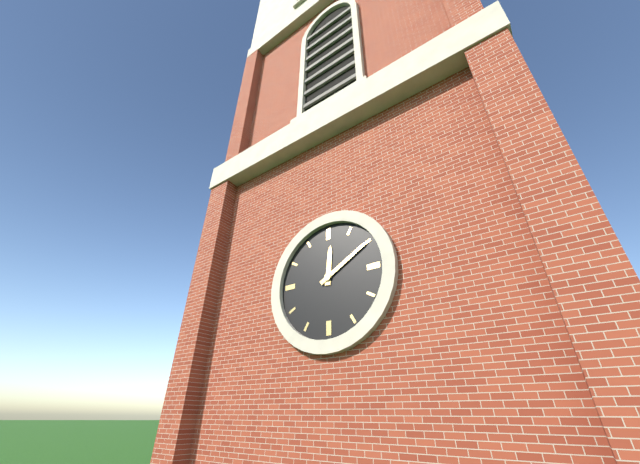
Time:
{"hour": 12, "minute": 10}
